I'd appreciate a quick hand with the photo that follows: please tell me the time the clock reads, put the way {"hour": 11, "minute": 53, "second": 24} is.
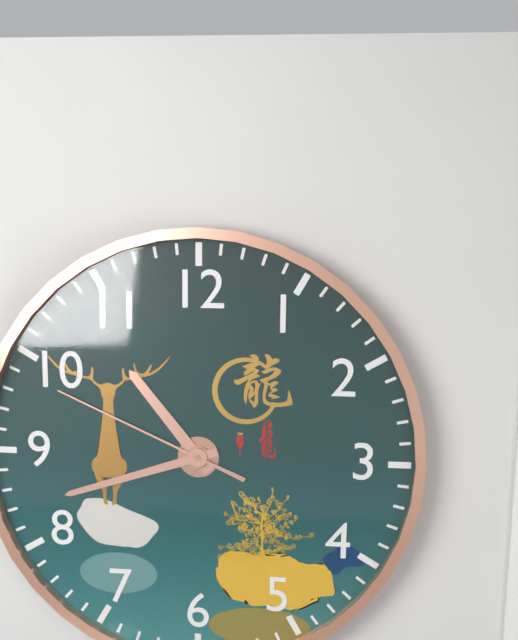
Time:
{"hour": 10, "minute": 42, "second": 49}
